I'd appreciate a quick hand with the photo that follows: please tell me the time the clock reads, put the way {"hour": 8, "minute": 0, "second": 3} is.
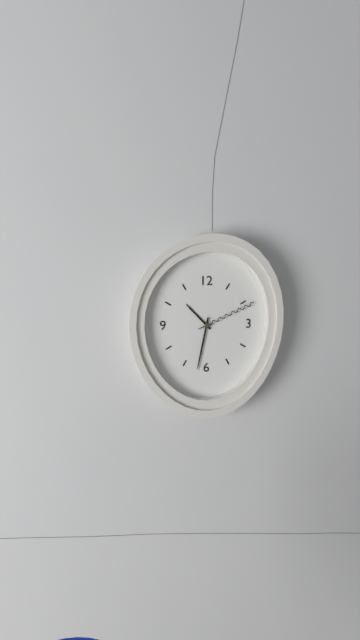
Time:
{"hour": 10, "minute": 32, "second": 11}
